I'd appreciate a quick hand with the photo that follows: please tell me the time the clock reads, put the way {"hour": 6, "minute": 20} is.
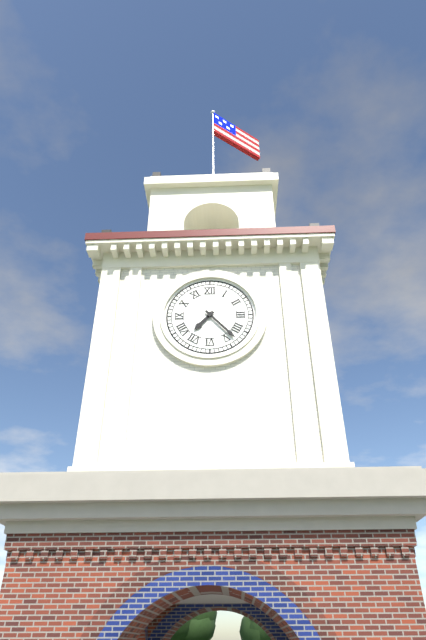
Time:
{"hour": 7, "minute": 23}
